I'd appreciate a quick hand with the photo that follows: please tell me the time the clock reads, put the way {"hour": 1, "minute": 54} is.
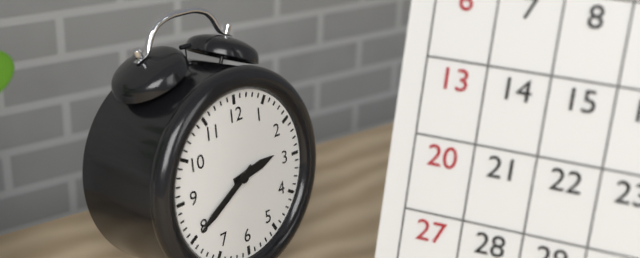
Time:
{"hour": 2, "minute": 40}
